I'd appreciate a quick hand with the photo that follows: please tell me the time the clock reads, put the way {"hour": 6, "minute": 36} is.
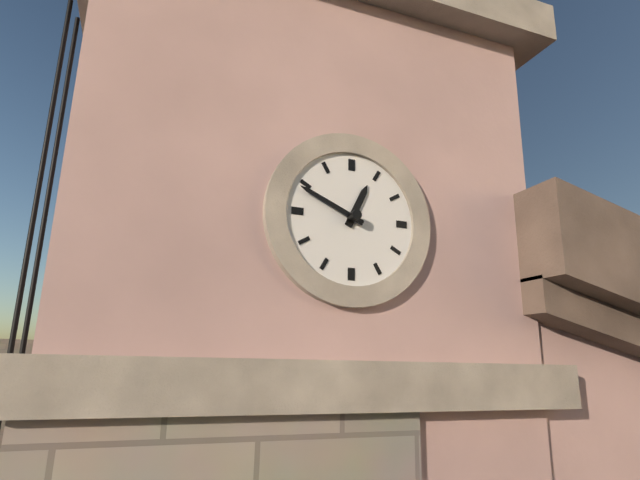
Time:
{"hour": 12, "minute": 49}
